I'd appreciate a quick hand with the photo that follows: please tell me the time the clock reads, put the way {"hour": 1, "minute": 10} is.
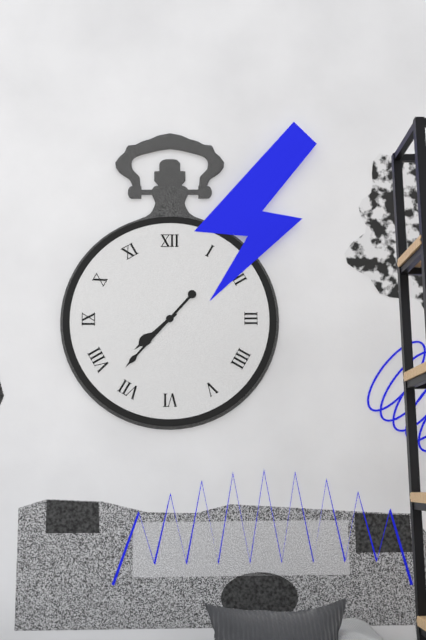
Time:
{"hour": 7, "minute": 37}
